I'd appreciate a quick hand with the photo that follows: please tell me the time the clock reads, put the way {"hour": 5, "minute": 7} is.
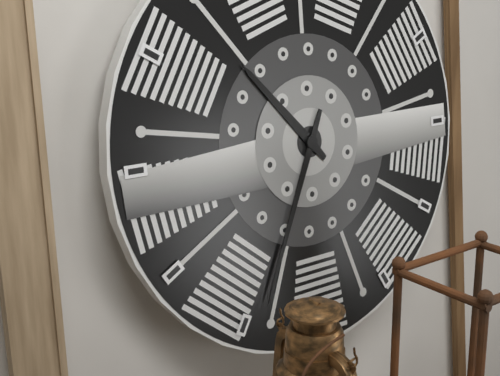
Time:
{"hour": 10, "minute": 34}
